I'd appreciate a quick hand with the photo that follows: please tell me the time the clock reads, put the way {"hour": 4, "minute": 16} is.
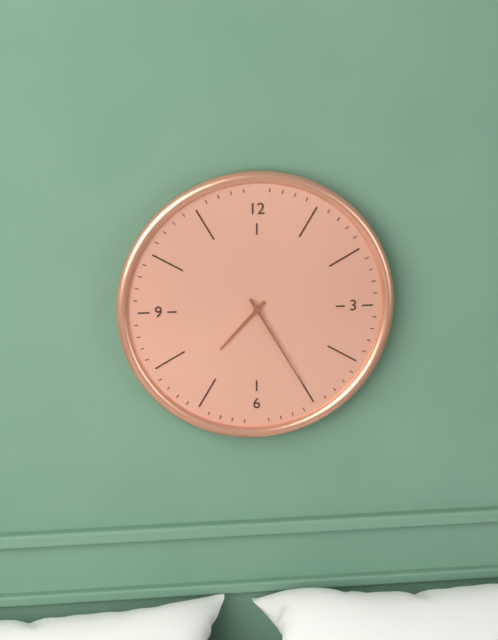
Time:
{"hour": 7, "minute": 25}
